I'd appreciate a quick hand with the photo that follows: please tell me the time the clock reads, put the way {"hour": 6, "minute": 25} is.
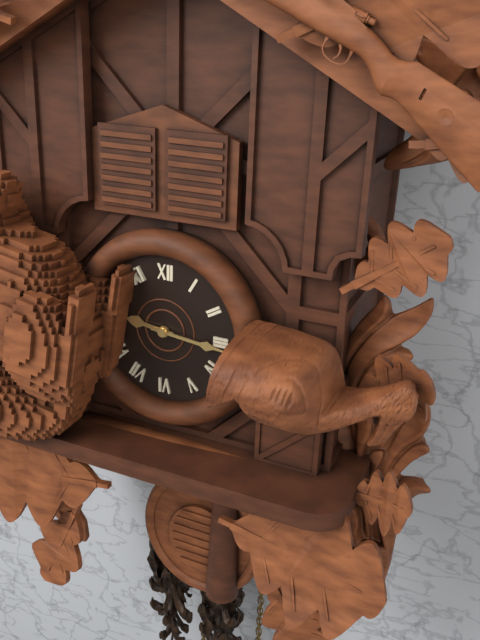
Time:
{"hour": 9, "minute": 16}
